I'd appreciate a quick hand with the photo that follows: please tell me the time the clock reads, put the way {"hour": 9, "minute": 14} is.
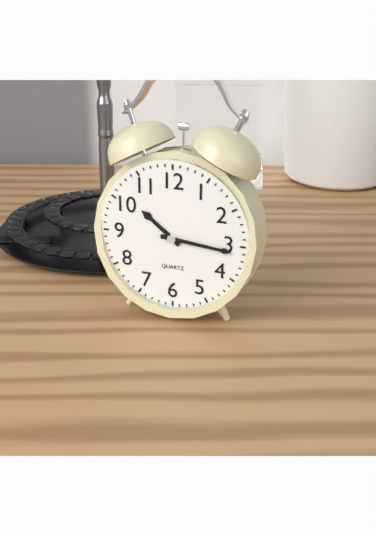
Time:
{"hour": 10, "minute": 16}
